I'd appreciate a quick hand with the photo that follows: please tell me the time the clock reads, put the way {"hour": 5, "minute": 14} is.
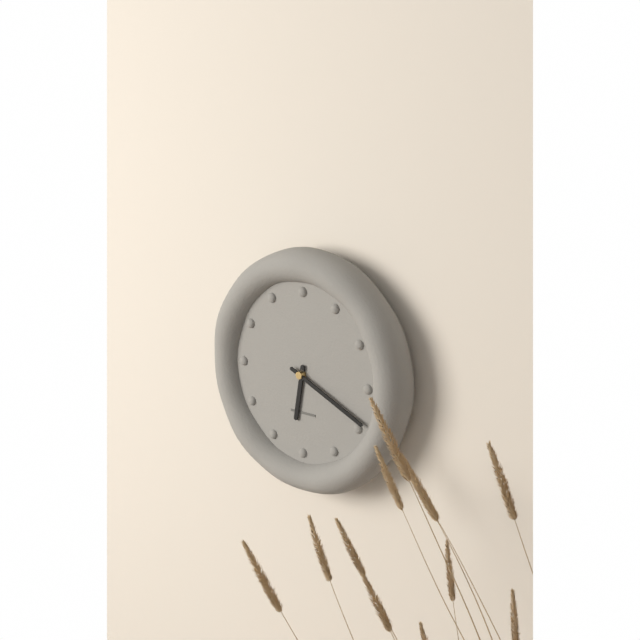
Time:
{"hour": 6, "minute": 19}
